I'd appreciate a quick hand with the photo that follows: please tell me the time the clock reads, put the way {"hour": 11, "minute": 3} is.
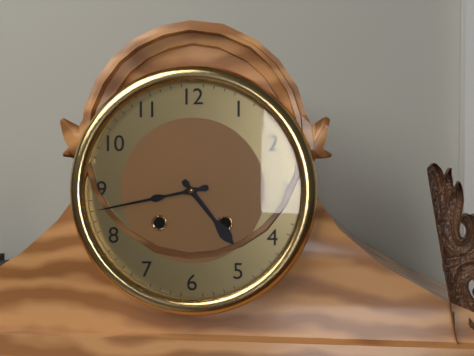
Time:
{"hour": 4, "minute": 43}
